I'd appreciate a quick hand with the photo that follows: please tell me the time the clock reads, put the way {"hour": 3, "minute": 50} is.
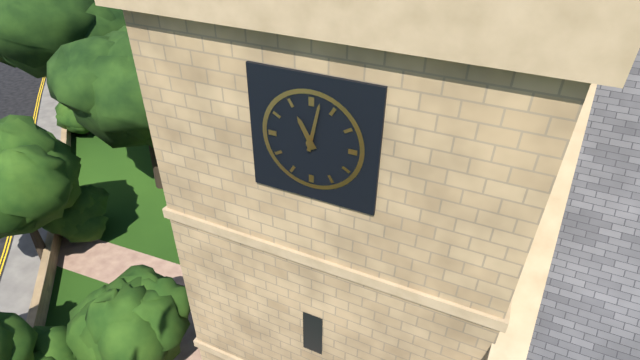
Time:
{"hour": 11, "minute": 2}
